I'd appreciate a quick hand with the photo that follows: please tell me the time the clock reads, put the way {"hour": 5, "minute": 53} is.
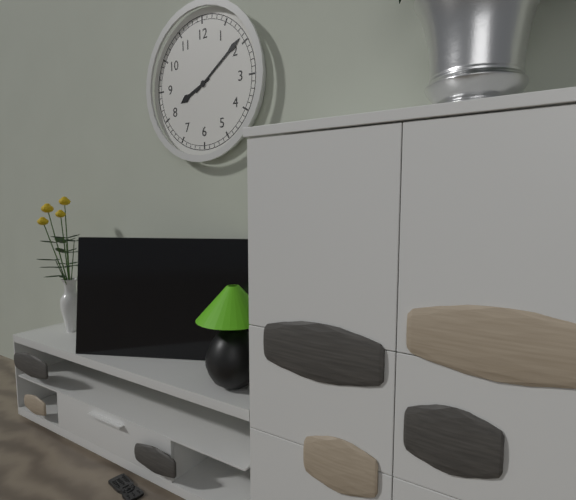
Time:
{"hour": 8, "minute": 9}
